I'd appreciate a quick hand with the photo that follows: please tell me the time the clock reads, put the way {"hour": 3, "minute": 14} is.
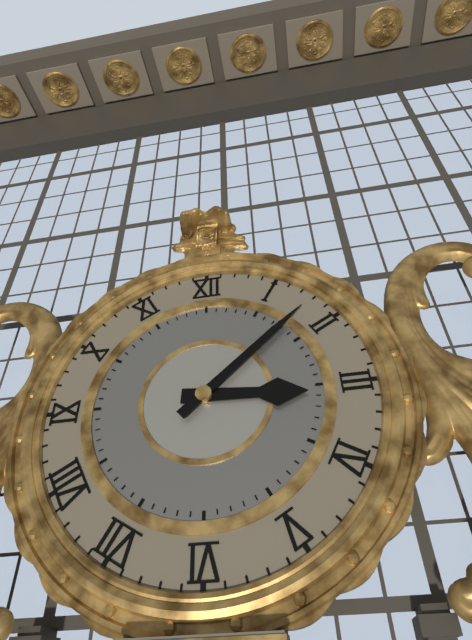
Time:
{"hour": 3, "minute": 8}
